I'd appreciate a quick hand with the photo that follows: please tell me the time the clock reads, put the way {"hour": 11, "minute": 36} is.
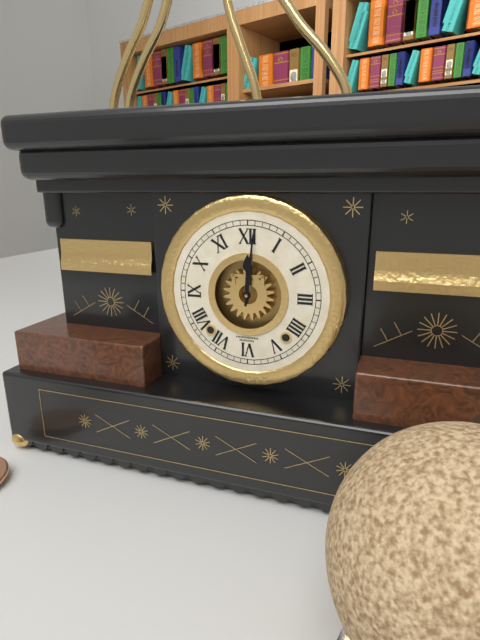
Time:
{"hour": 12, "minute": 1}
